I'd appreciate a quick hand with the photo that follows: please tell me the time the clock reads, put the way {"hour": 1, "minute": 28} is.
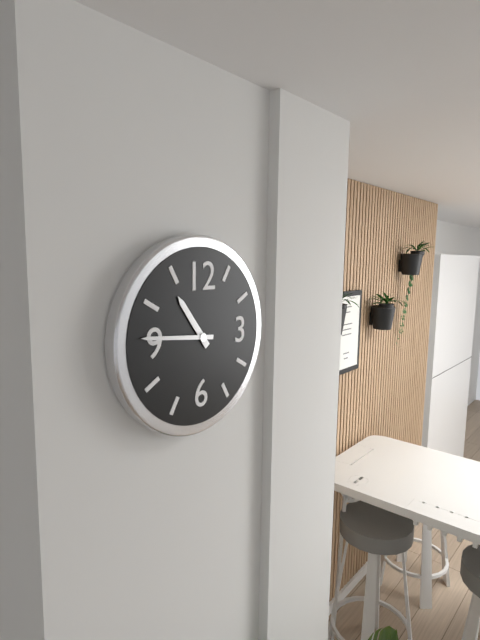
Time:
{"hour": 10, "minute": 46}
